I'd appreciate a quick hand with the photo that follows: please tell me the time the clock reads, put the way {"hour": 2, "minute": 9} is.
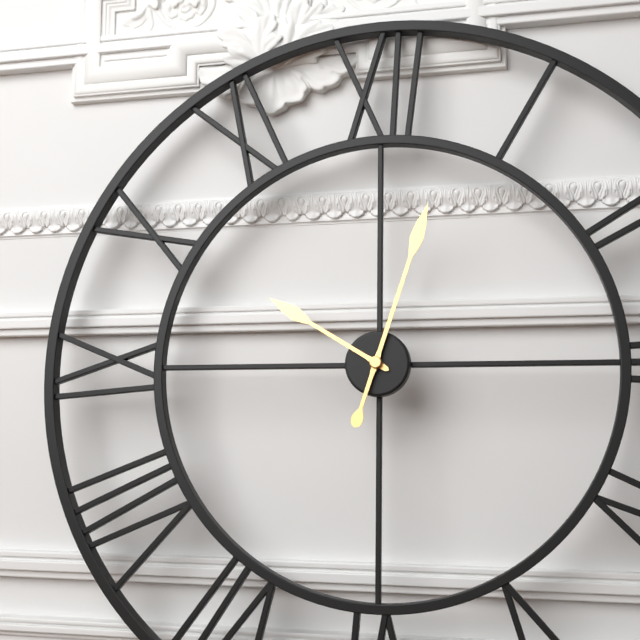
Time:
{"hour": 10, "minute": 3}
